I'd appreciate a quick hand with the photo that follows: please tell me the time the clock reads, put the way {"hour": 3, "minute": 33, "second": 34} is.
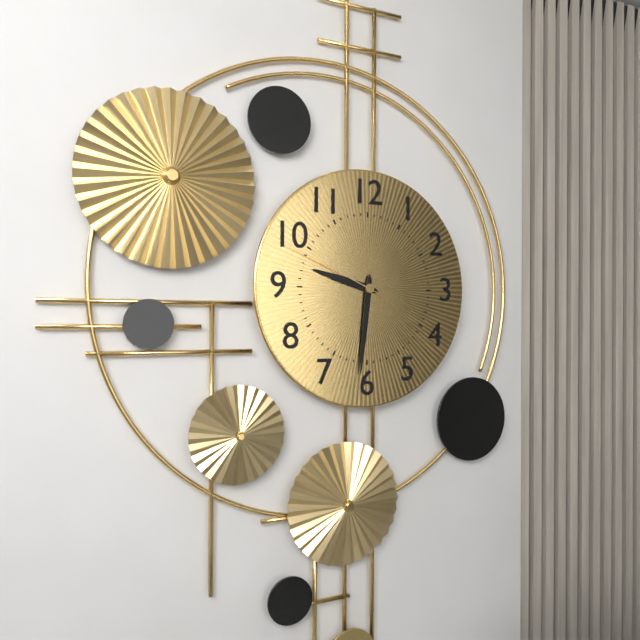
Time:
{"hour": 9, "minute": 31, "second": 49}
